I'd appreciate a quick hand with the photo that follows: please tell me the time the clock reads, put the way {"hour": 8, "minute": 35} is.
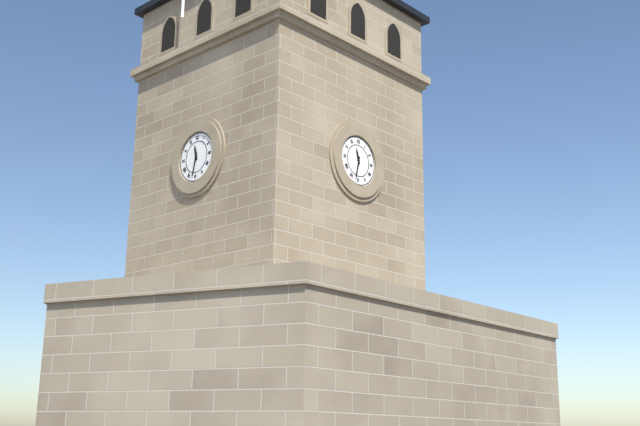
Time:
{"hour": 11, "minute": 32}
